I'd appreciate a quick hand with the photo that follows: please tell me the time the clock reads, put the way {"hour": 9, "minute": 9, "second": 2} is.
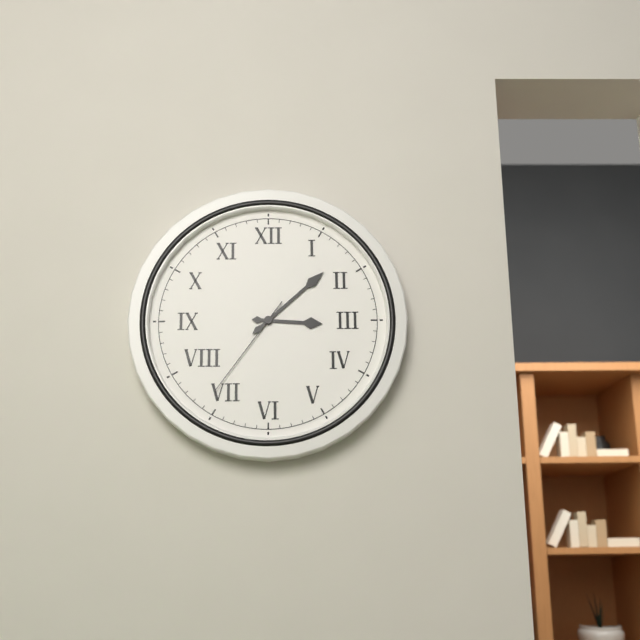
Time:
{"hour": 3, "minute": 8, "second": 36}
